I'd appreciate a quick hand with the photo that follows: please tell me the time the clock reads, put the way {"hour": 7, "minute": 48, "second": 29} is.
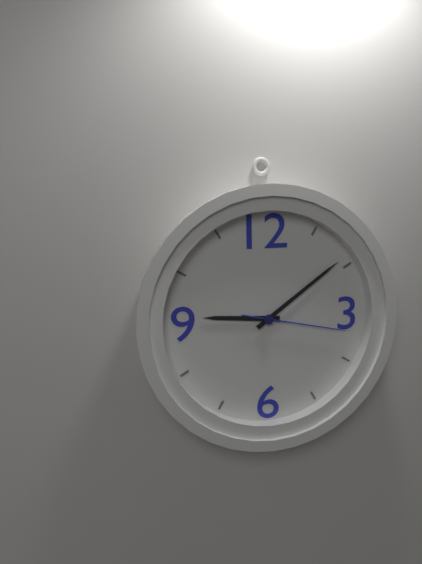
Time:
{"hour": 9, "minute": 9, "second": 17}
